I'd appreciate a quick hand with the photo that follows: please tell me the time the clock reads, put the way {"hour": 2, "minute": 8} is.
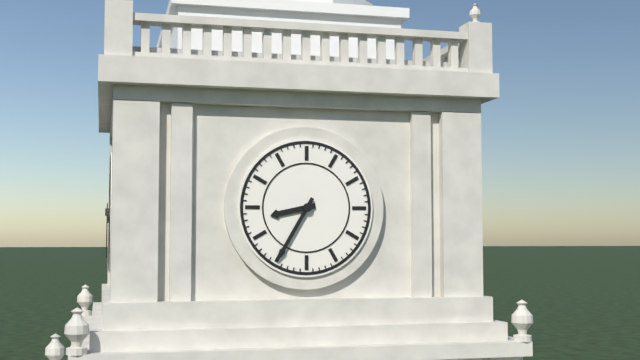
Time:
{"hour": 8, "minute": 35}
